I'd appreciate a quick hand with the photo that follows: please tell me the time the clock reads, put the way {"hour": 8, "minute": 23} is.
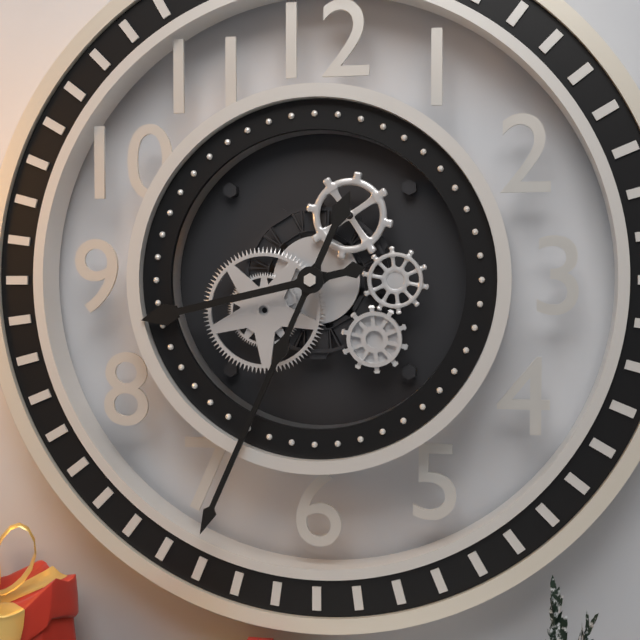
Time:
{"hour": 8, "minute": 34}
